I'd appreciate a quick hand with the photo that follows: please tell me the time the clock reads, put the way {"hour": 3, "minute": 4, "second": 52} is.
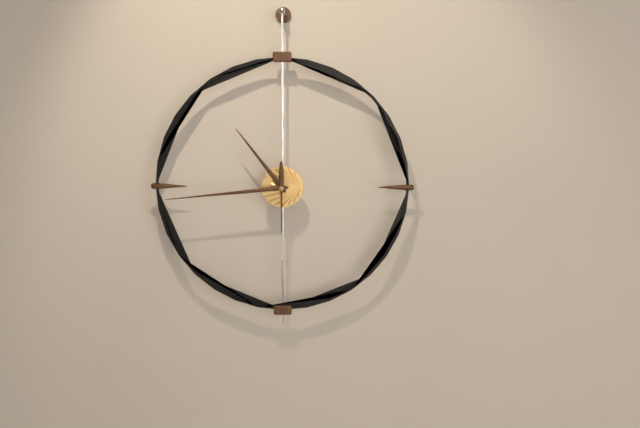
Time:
{"hour": 10, "minute": 44, "second": 30}
